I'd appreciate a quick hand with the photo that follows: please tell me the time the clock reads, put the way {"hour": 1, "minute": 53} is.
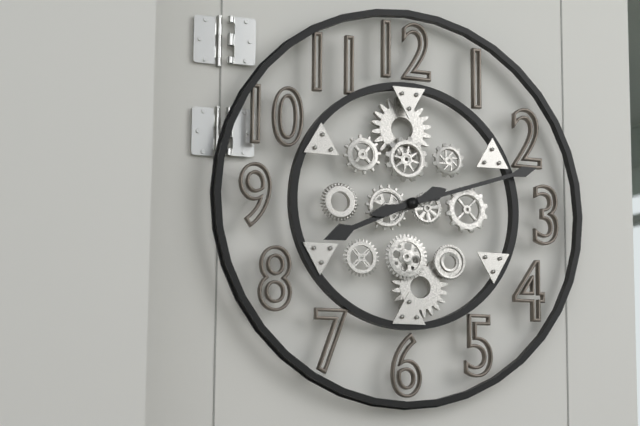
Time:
{"hour": 8, "minute": 12}
